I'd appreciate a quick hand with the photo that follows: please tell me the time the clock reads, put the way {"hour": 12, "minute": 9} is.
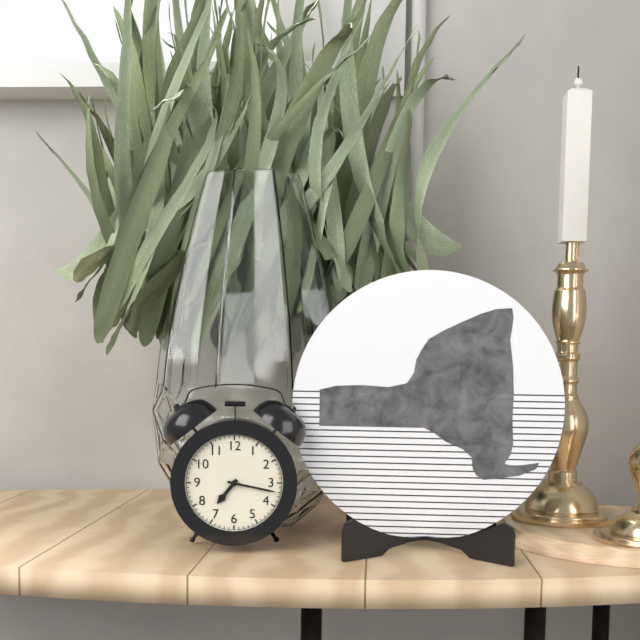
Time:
{"hour": 7, "minute": 17}
